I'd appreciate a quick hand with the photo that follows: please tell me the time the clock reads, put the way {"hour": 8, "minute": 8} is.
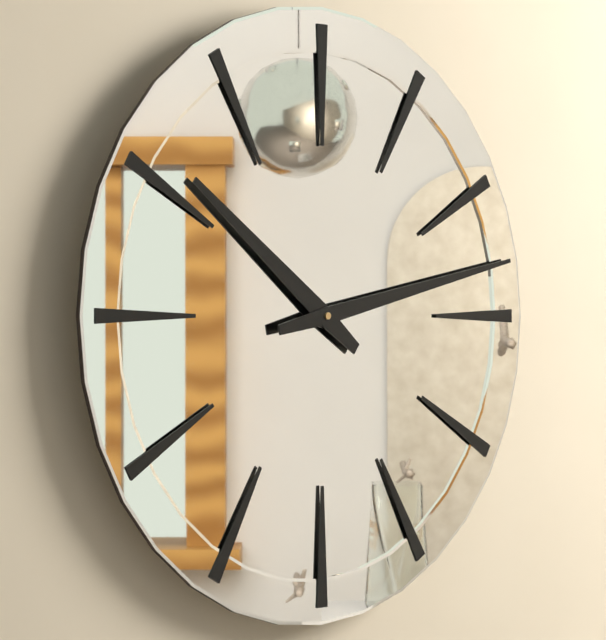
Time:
{"hour": 10, "minute": 13}
